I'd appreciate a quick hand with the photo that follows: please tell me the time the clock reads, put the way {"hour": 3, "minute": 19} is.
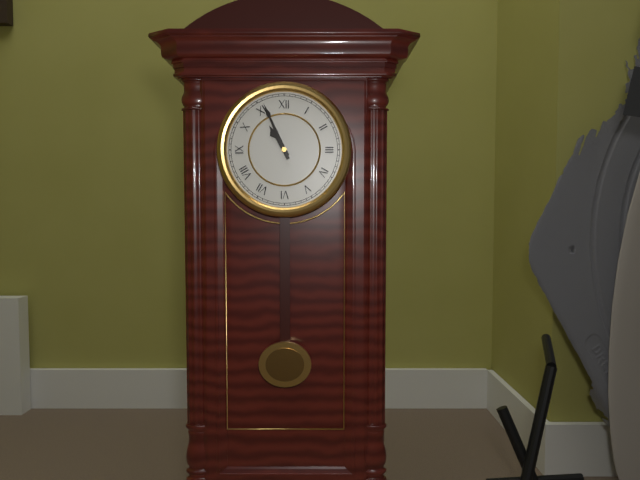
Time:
{"hour": 10, "minute": 56}
